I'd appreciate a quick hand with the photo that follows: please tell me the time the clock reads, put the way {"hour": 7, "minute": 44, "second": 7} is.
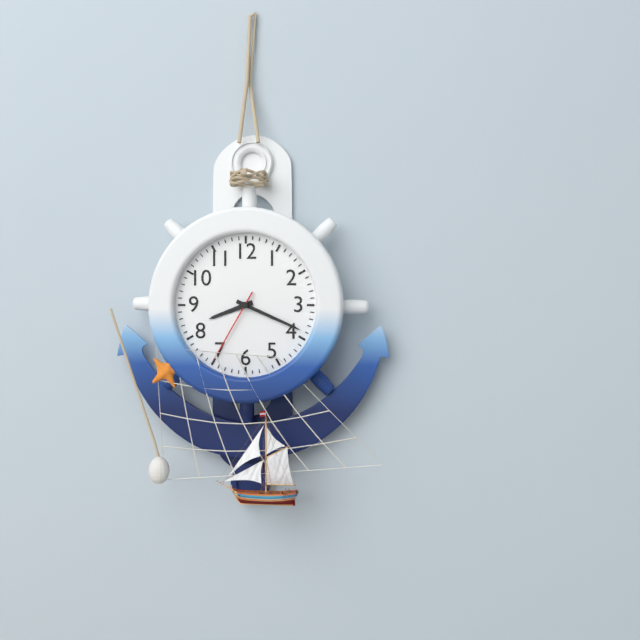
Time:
{"hour": 8, "minute": 19, "second": 35}
